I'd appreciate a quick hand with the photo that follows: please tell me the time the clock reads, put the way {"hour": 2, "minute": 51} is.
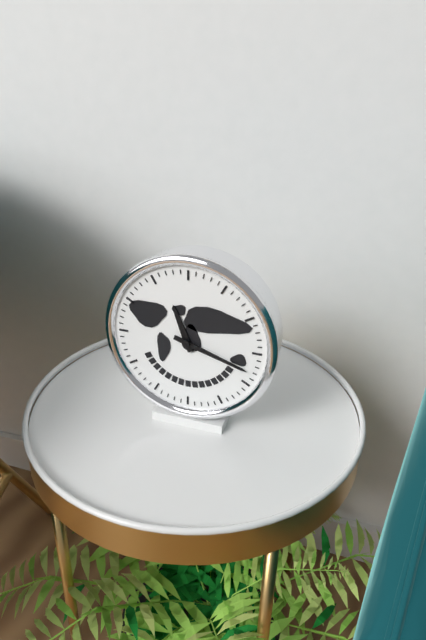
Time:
{"hour": 11, "minute": 18}
